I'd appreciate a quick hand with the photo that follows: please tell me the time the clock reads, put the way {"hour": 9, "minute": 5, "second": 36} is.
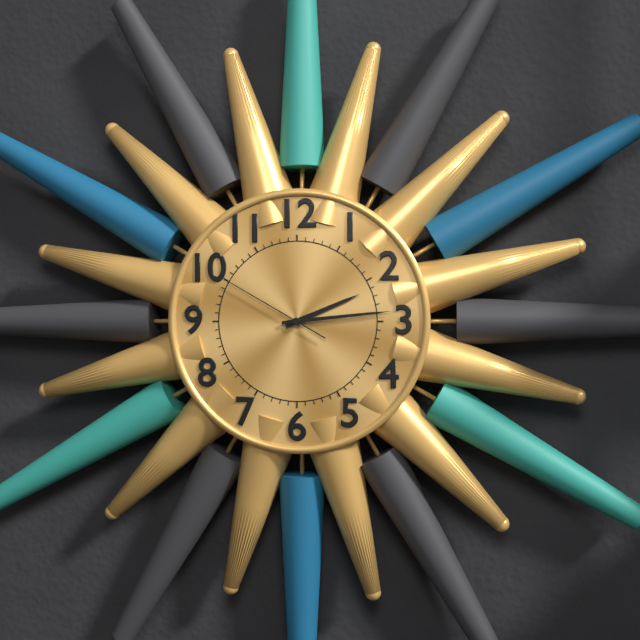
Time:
{"hour": 2, "minute": 14, "second": 50}
